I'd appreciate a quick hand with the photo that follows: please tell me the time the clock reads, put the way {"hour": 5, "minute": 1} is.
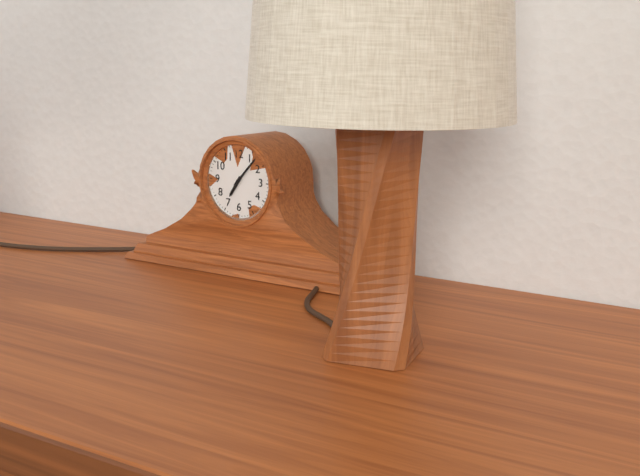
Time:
{"hour": 7, "minute": 7}
